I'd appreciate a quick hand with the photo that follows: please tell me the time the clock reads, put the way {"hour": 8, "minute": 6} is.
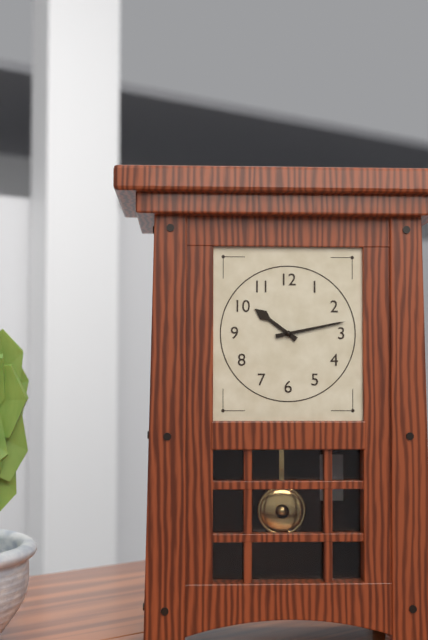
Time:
{"hour": 10, "minute": 13}
